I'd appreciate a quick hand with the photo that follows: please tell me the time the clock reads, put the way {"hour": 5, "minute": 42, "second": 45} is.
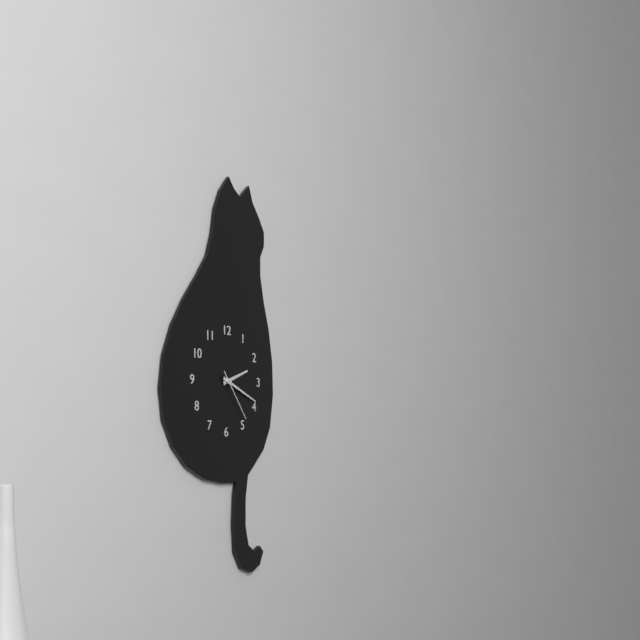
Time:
{"hour": 2, "minute": 19, "second": 24}
